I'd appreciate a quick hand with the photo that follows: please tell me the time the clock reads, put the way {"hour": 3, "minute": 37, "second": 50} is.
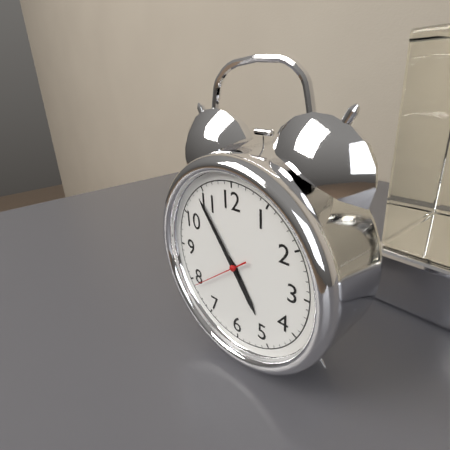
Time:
{"hour": 4, "minute": 54, "second": 39}
